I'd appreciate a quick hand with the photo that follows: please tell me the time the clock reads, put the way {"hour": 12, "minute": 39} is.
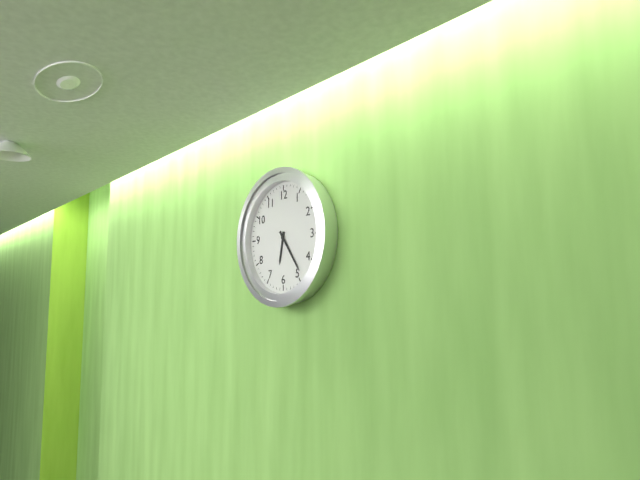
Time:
{"hour": 6, "minute": 24}
